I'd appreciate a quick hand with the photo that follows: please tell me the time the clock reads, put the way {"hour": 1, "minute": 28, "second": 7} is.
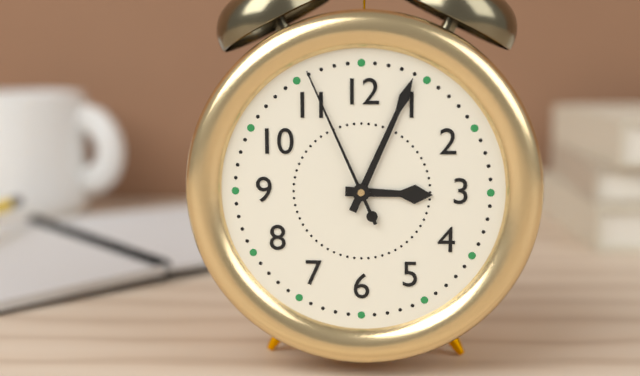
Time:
{"hour": 3, "minute": 4, "second": 56}
